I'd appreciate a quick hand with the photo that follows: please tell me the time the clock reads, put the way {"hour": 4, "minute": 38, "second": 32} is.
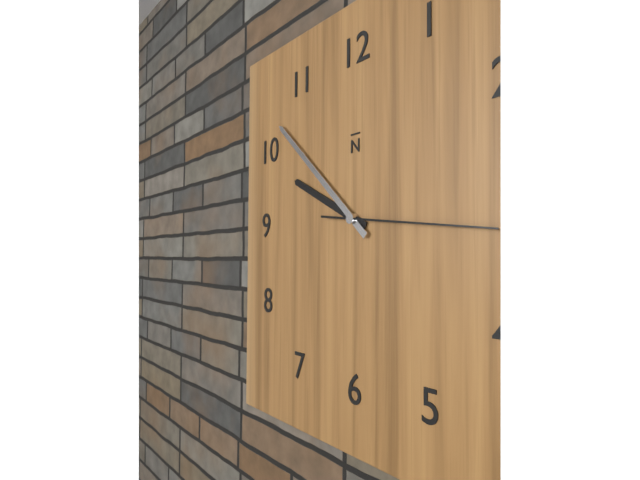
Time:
{"hour": 9, "minute": 52, "second": 16}
